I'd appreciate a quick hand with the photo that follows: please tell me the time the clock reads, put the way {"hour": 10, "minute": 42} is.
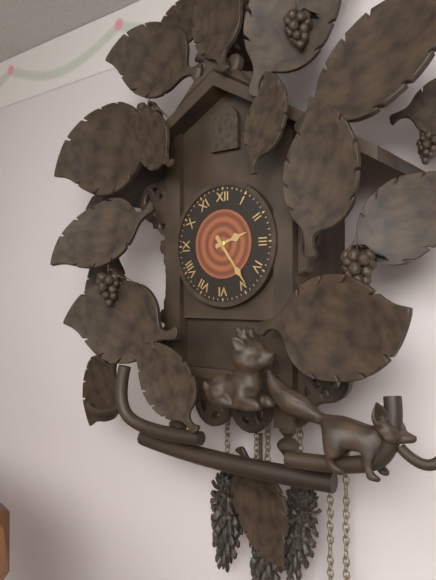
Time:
{"hour": 2, "minute": 24}
